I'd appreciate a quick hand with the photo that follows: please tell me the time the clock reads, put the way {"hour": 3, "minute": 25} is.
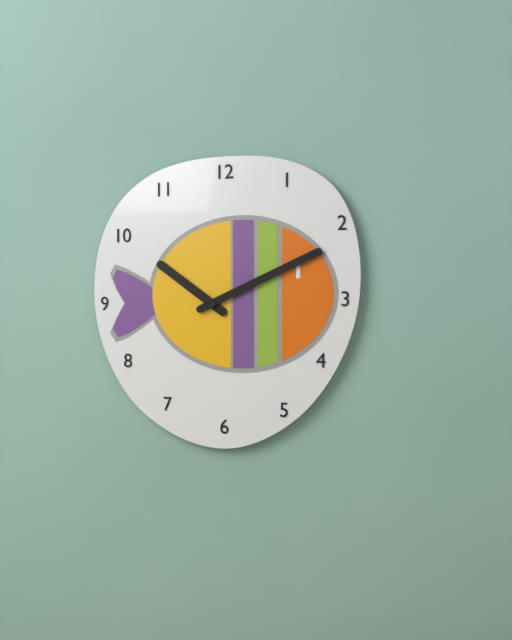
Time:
{"hour": 10, "minute": 11}
